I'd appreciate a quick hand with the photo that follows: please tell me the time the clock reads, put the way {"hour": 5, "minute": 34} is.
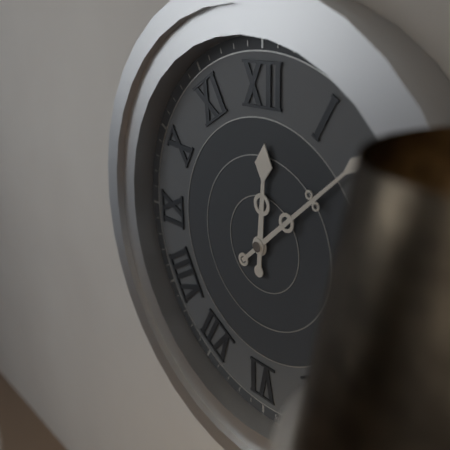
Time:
{"hour": 12, "minute": 8}
